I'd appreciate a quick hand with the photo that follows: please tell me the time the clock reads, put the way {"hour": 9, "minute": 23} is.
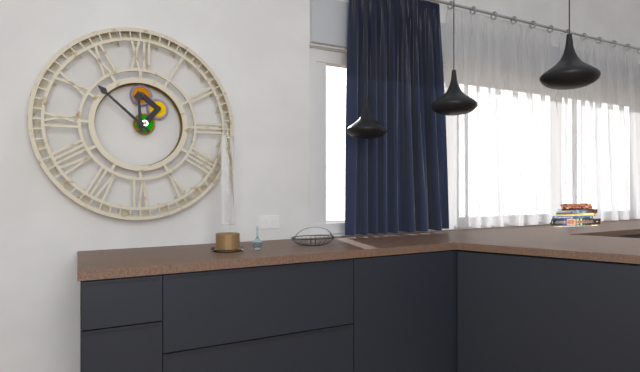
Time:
{"hour": 11, "minute": 52}
